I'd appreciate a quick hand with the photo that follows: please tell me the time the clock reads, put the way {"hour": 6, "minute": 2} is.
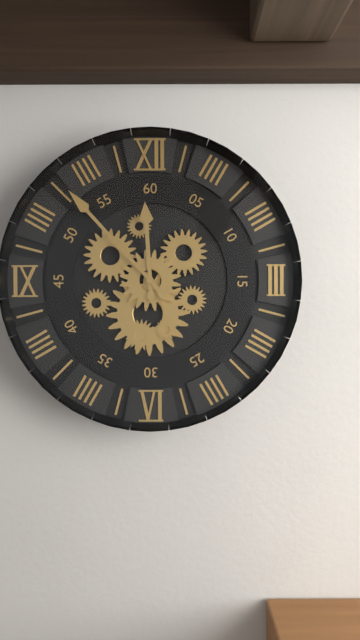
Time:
{"hour": 11, "minute": 53}
